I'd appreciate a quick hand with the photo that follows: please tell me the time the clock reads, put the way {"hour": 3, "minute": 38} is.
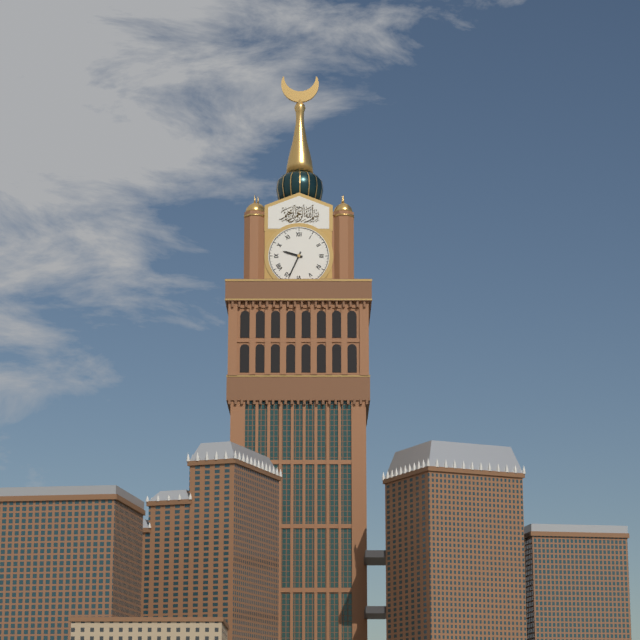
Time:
{"hour": 9, "minute": 34}
